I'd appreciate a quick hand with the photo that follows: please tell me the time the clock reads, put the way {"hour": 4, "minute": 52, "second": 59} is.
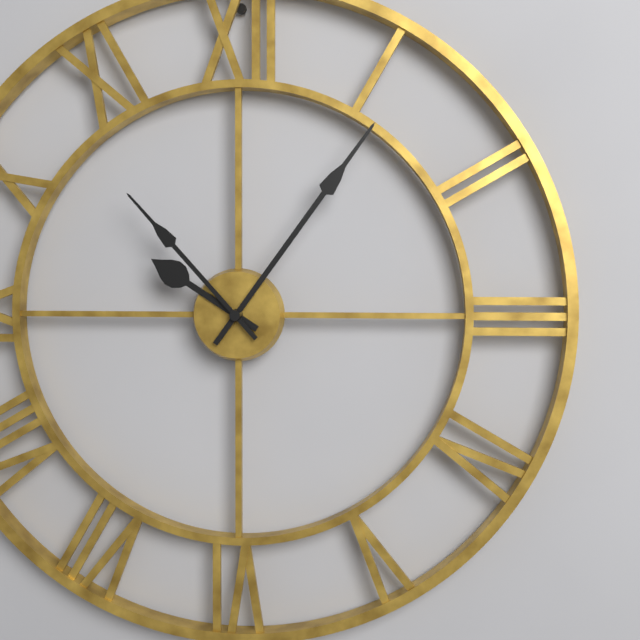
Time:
{"hour": 10, "minute": 6, "second": 53}
